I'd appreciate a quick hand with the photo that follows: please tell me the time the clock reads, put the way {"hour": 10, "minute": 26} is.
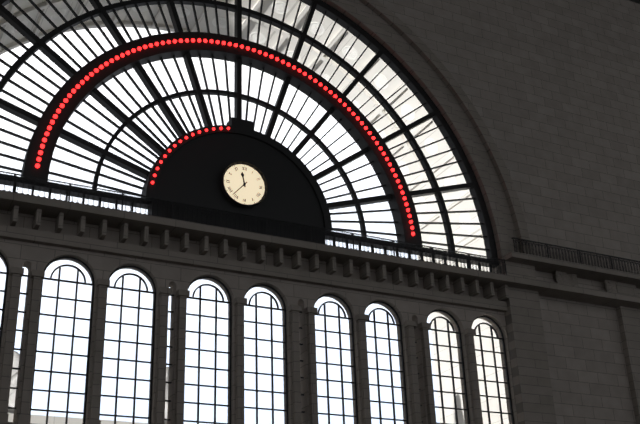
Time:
{"hour": 11, "minute": 37}
